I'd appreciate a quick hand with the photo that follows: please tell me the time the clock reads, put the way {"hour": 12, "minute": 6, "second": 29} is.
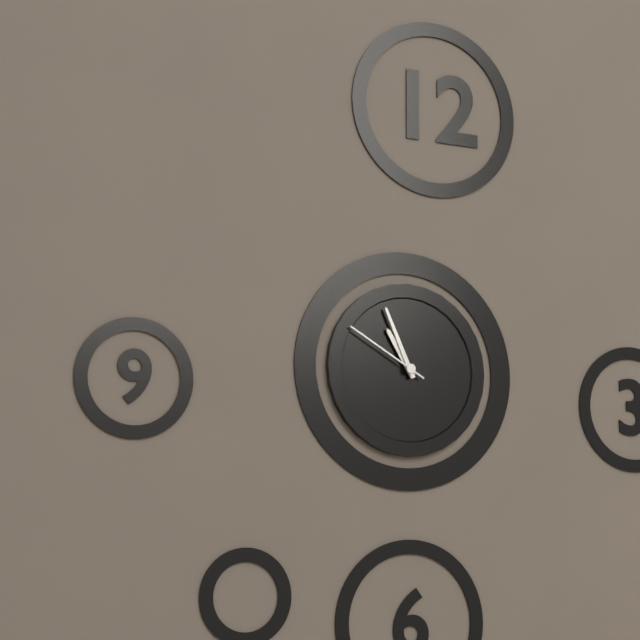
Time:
{"hour": 10, "minute": 56, "second": 50}
